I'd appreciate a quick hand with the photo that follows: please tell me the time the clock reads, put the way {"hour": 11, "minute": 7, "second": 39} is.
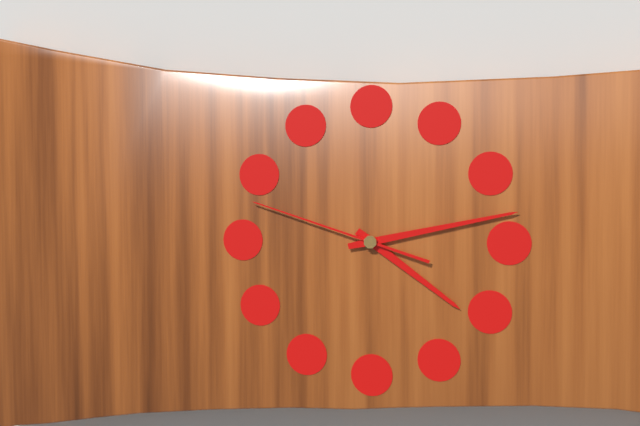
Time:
{"hour": 4, "minute": 13, "second": 48}
